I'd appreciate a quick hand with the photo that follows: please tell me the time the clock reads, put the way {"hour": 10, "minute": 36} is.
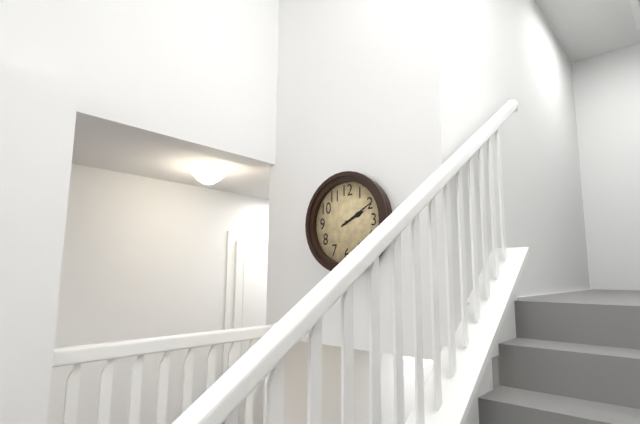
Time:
{"hour": 2, "minute": 10}
